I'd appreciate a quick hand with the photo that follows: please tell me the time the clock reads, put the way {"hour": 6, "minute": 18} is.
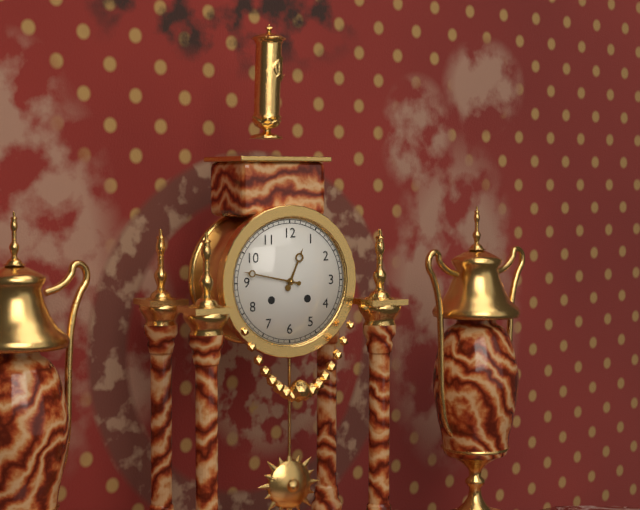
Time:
{"hour": 12, "minute": 47}
